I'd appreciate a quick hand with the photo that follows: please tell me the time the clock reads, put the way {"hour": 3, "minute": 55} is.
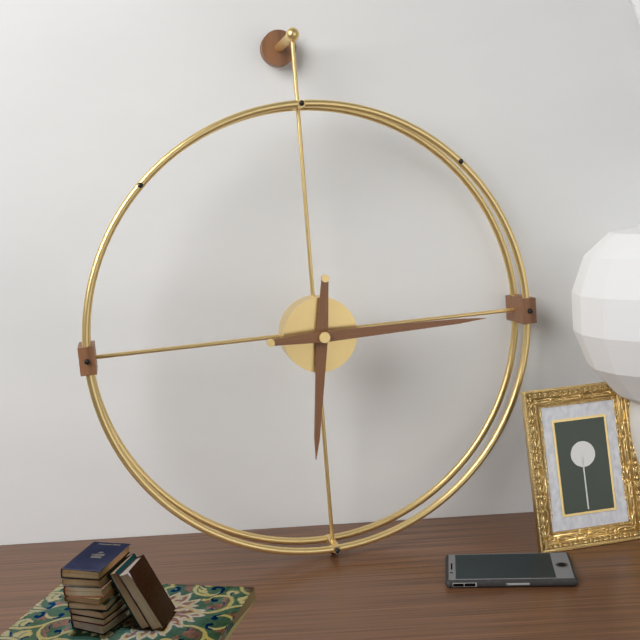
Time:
{"hour": 6, "minute": 15}
